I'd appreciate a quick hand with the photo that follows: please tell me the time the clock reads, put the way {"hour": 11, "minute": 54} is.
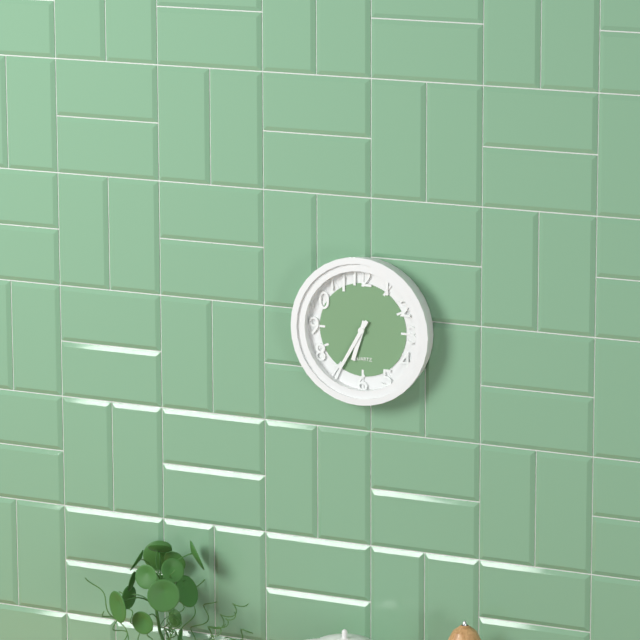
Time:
{"hour": 6, "minute": 35}
